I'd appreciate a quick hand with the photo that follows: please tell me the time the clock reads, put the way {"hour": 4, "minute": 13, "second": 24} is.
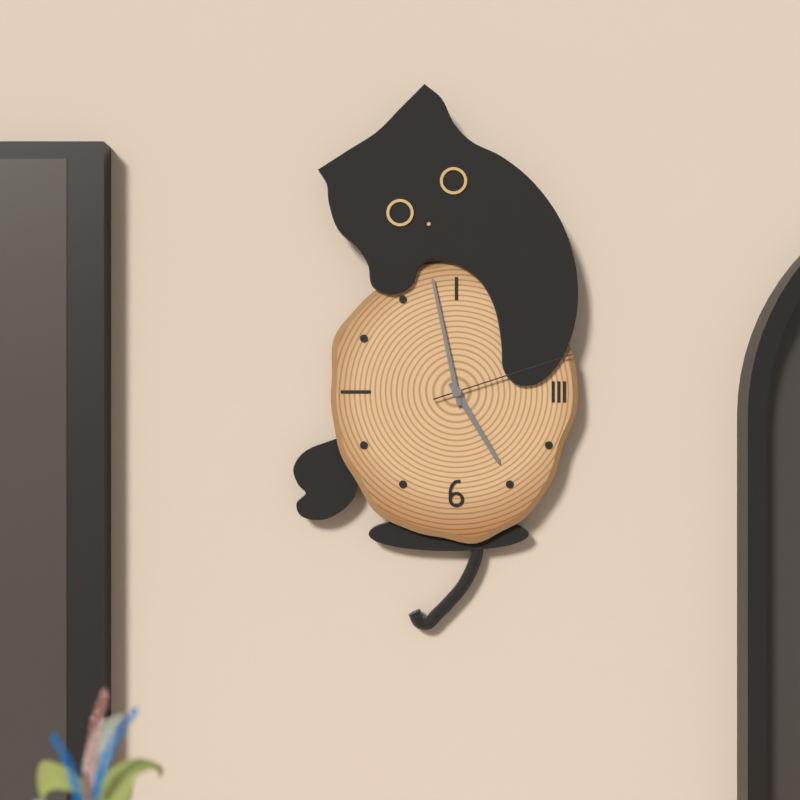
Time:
{"hour": 4, "minute": 58, "second": 12}
